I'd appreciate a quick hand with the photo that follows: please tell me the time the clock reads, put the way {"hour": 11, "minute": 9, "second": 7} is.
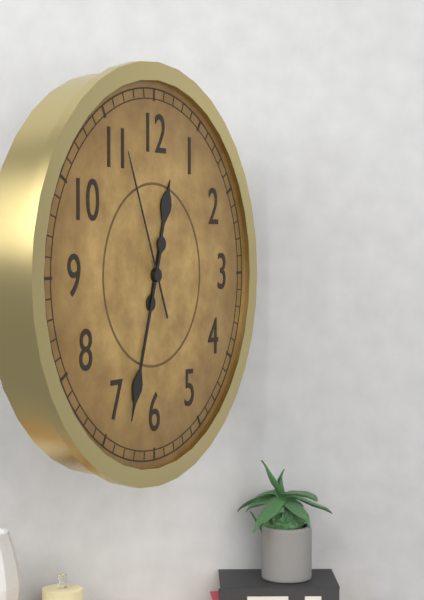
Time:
{"hour": 12, "minute": 33, "second": 56}
